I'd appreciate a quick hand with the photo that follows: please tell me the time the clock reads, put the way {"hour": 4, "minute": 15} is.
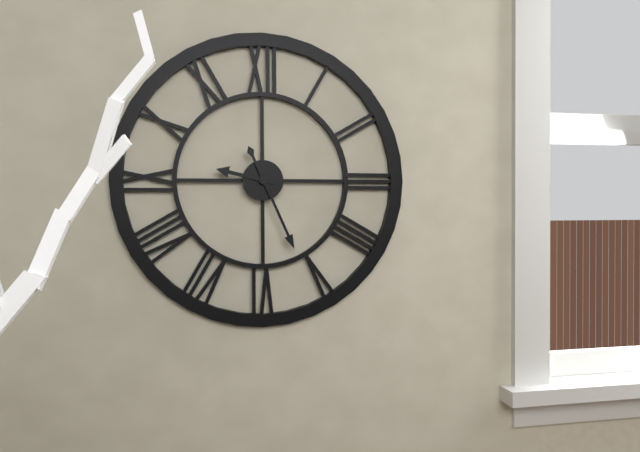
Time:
{"hour": 9, "minute": 26}
